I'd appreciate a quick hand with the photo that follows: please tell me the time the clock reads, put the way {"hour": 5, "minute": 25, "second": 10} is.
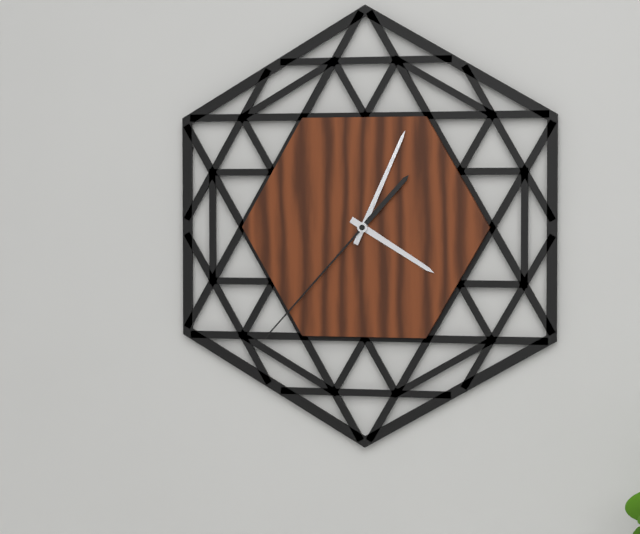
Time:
{"hour": 4, "minute": 4, "second": 37}
